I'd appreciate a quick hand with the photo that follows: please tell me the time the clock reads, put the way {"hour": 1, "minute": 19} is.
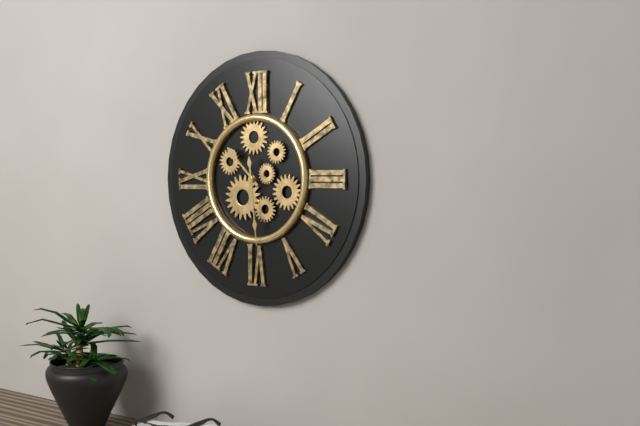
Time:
{"hour": 10, "minute": 29}
